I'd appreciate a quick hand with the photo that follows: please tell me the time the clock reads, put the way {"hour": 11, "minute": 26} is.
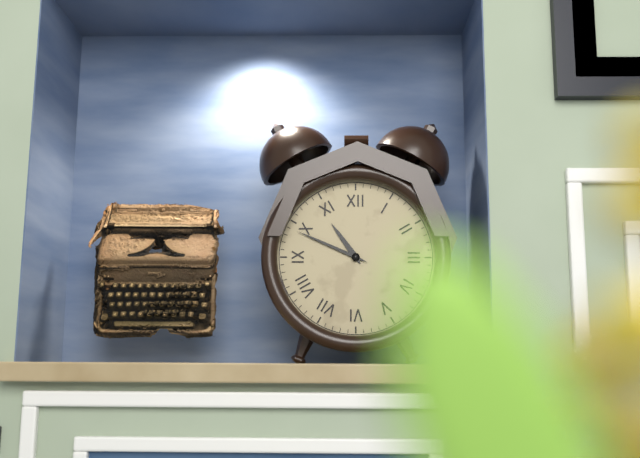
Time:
{"hour": 10, "minute": 49}
